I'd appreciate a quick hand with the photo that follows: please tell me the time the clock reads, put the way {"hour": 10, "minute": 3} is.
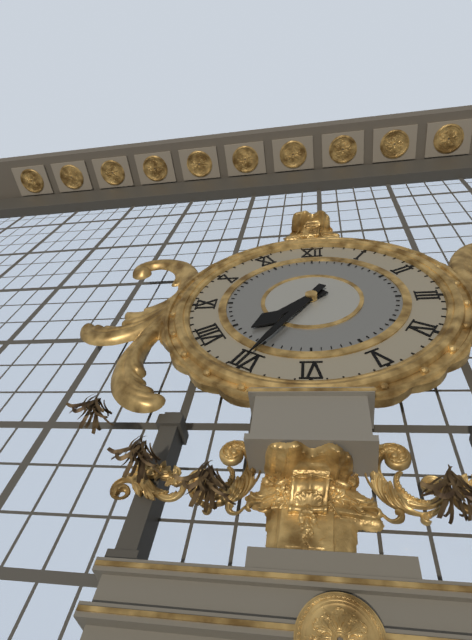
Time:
{"hour": 7, "minute": 35}
